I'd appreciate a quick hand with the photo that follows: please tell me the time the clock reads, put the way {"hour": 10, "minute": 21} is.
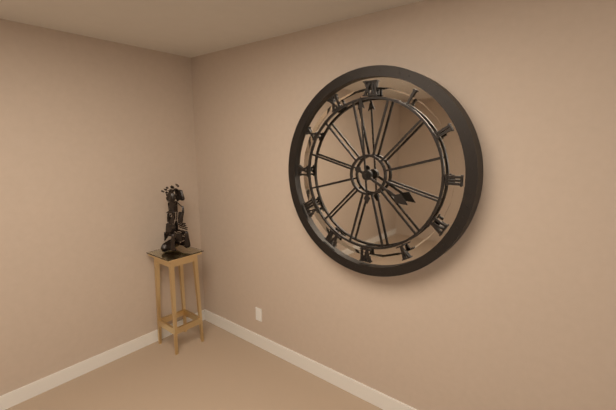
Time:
{"hour": 3, "minute": 59}
